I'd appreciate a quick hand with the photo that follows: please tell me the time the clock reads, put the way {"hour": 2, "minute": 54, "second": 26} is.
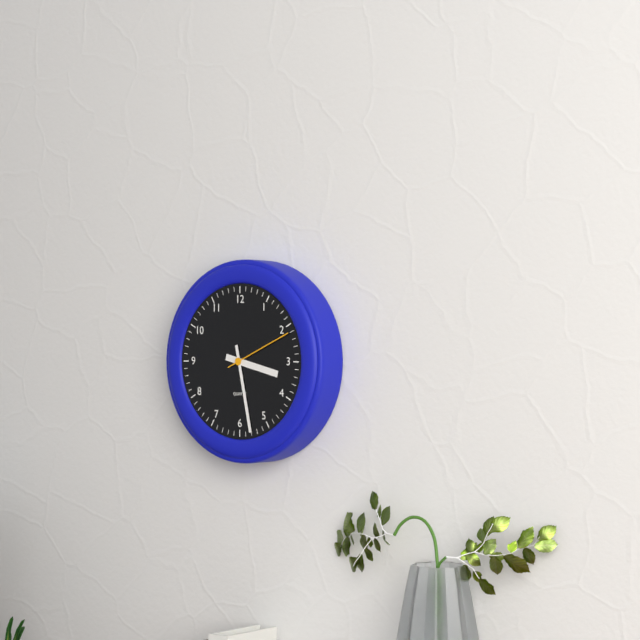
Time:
{"hour": 3, "minute": 28, "second": 11}
